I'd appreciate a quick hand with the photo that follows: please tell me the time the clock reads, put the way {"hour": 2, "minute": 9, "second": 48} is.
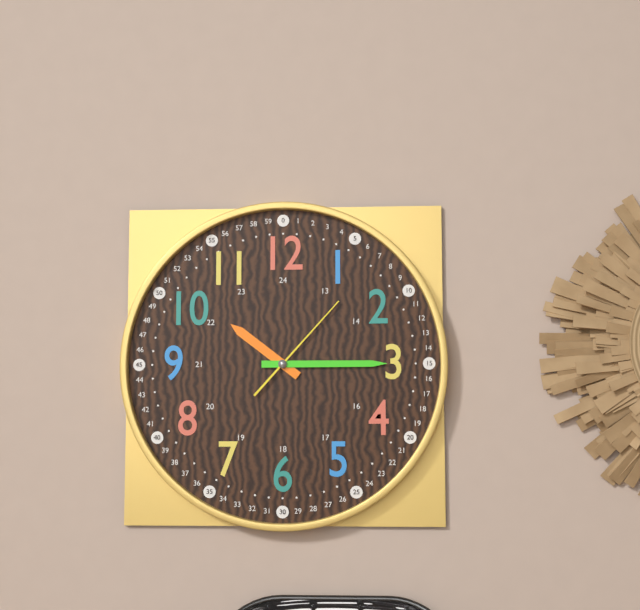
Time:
{"hour": 10, "minute": 15, "second": 7}
